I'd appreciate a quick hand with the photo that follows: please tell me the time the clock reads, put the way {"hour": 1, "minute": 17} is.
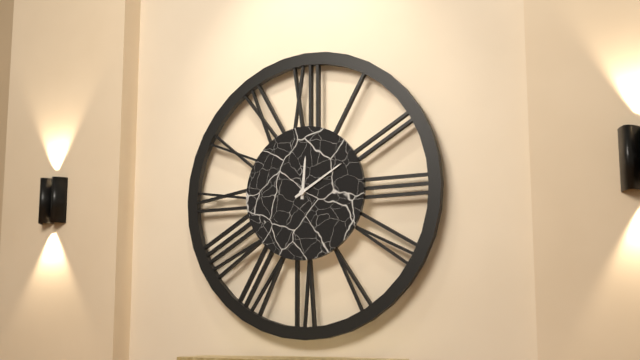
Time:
{"hour": 12, "minute": 10}
